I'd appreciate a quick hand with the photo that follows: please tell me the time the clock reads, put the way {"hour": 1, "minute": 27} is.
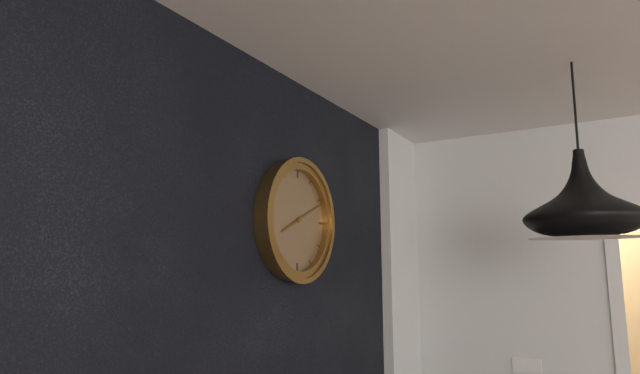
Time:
{"hour": 8, "minute": 11}
